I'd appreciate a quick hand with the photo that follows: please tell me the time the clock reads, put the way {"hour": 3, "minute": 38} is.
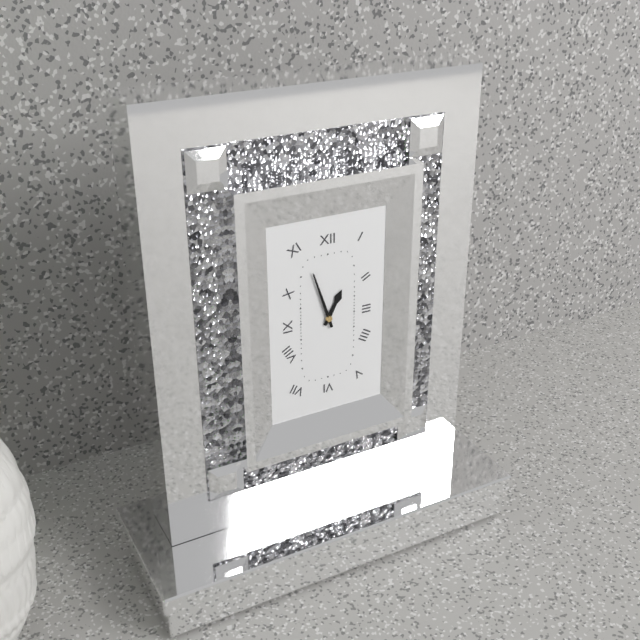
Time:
{"hour": 12, "minute": 57}
